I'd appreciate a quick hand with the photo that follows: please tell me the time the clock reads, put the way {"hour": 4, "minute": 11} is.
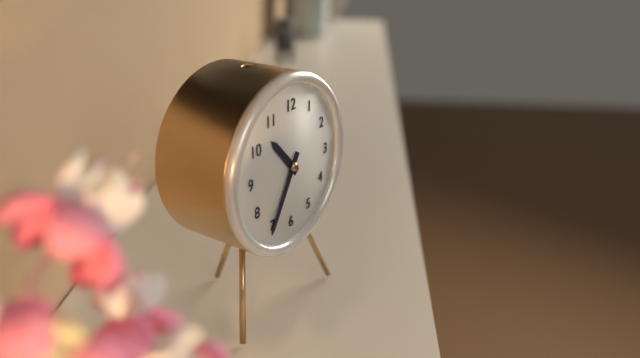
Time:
{"hour": 10, "minute": 35}
